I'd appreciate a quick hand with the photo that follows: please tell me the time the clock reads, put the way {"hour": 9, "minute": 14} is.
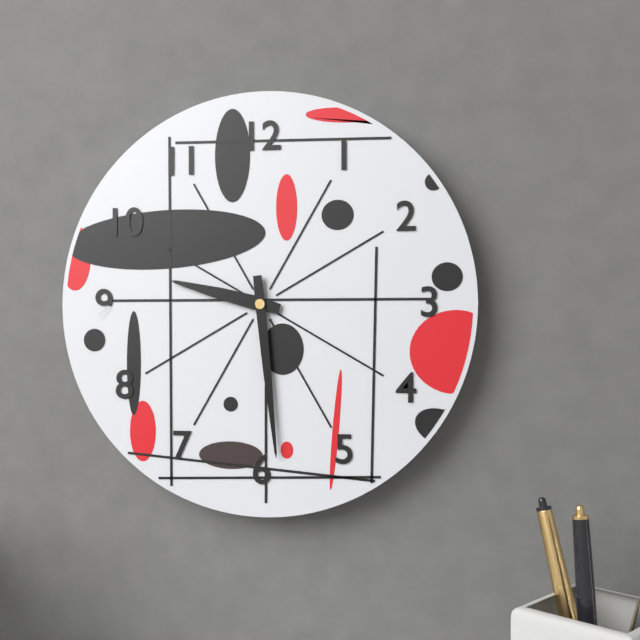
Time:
{"hour": 9, "minute": 29}
